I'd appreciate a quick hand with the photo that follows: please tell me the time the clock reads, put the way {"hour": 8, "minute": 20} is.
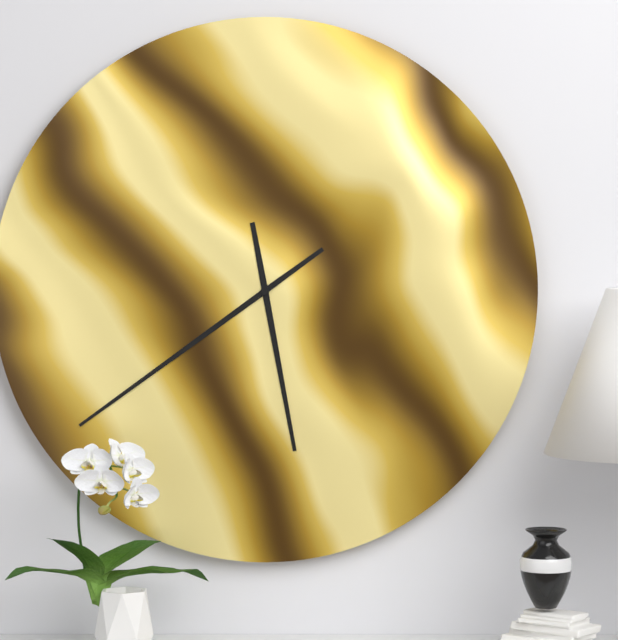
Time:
{"hour": 5, "minute": 39}
